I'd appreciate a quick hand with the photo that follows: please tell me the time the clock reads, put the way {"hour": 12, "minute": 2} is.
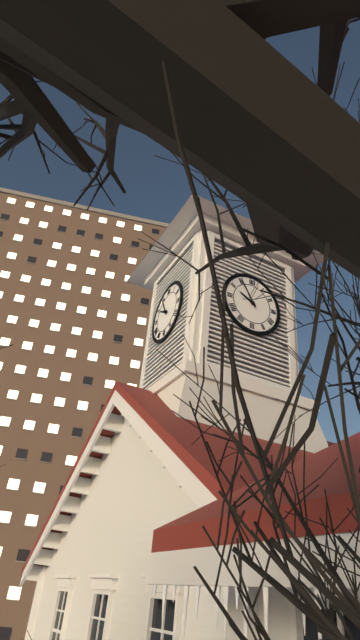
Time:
{"hour": 9, "minute": 55}
